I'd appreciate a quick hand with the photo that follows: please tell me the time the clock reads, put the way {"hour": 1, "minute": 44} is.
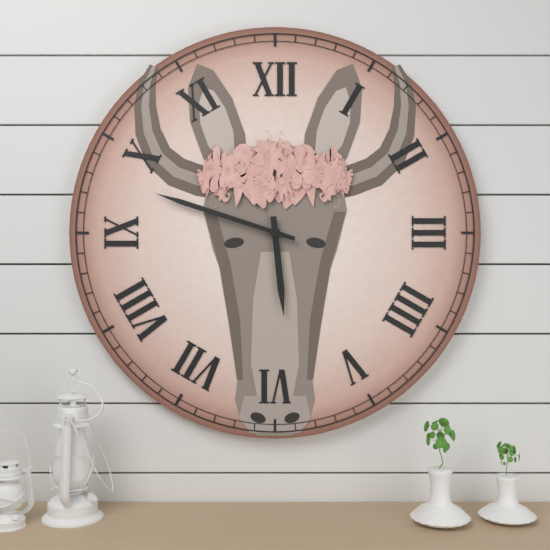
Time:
{"hour": 5, "minute": 48}
